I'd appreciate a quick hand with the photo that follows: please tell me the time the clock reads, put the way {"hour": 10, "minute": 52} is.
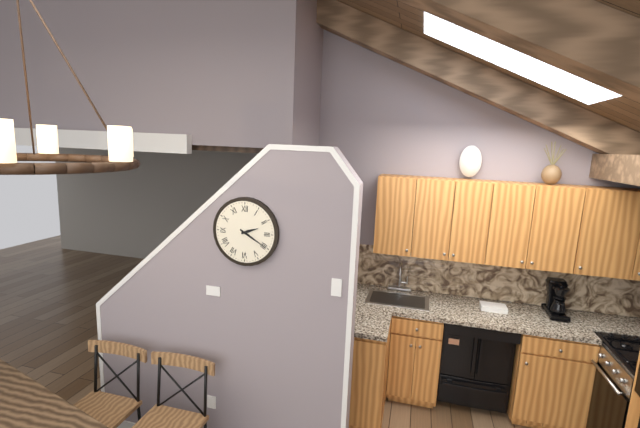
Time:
{"hour": 2, "minute": 20}
